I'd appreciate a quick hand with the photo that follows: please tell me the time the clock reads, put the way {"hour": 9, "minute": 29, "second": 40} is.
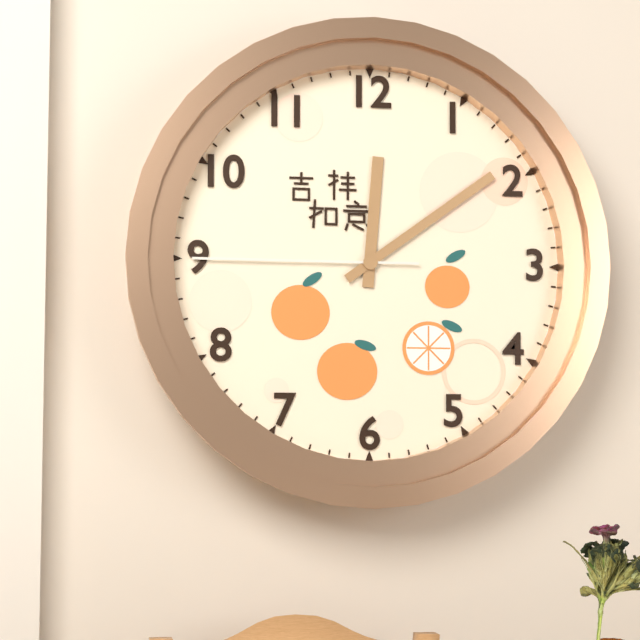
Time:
{"hour": 12, "minute": 9, "second": 45}
